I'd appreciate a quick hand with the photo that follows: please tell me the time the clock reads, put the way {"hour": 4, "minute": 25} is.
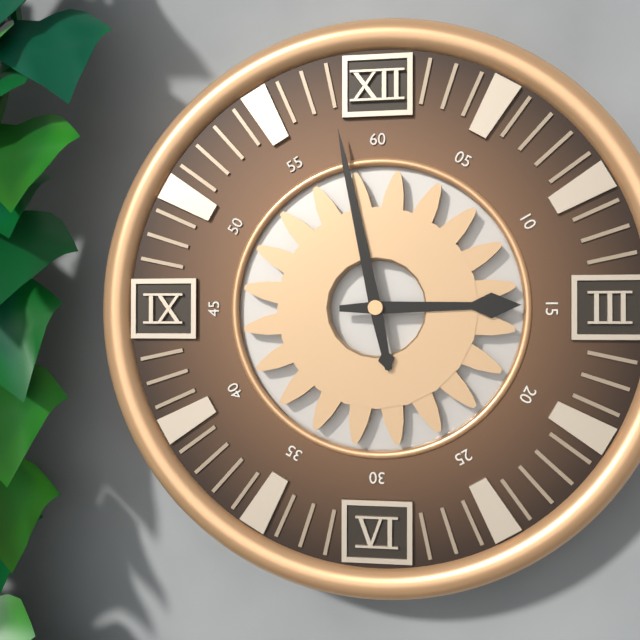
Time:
{"hour": 2, "minute": 58}
